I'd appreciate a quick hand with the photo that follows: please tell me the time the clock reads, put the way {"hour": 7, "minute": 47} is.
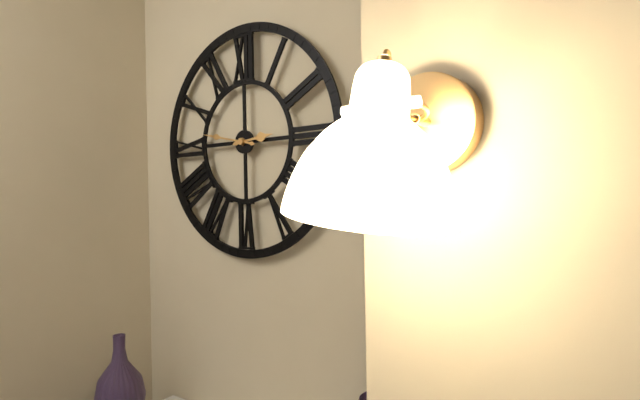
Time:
{"hour": 2, "minute": 47}
